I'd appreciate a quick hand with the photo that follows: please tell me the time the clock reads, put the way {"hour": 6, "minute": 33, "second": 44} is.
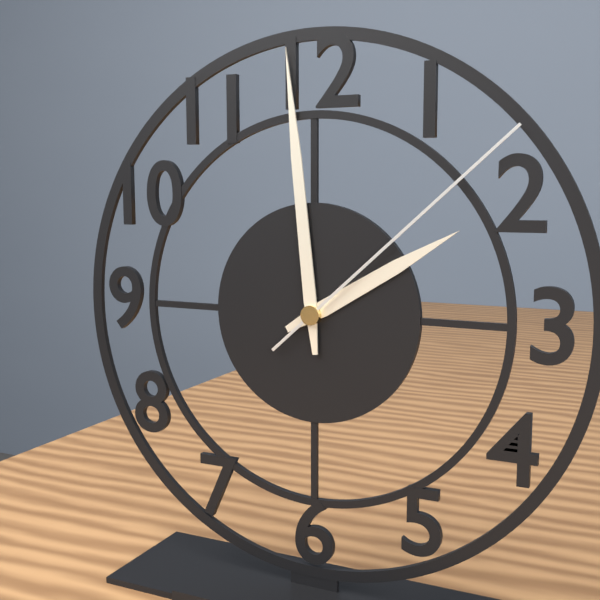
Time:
{"hour": 1, "minute": 59, "second": 8}
